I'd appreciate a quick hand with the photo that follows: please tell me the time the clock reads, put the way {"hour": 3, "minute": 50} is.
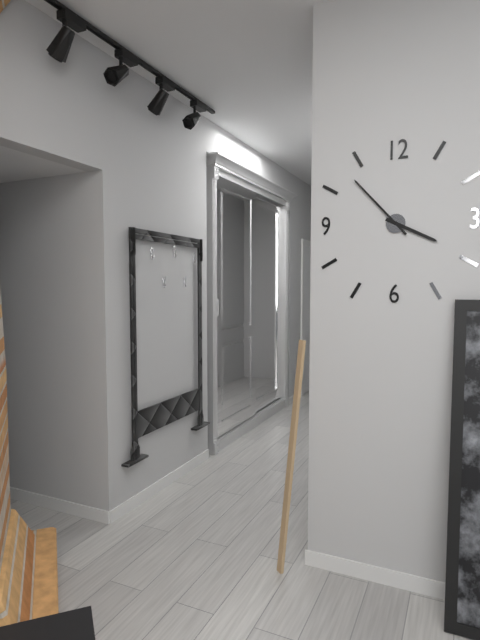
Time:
{"hour": 3, "minute": 53}
